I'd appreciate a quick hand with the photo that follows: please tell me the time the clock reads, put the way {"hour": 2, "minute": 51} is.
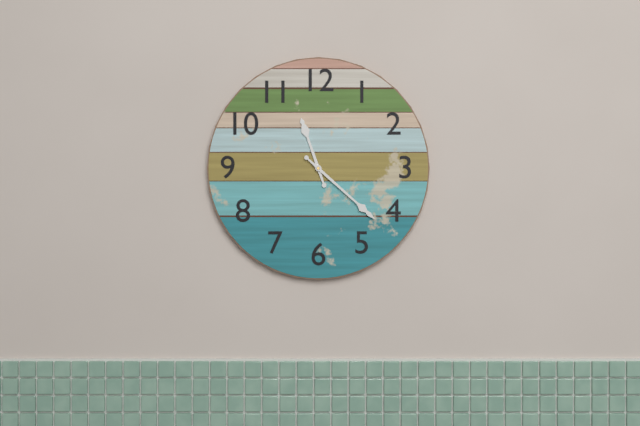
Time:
{"hour": 11, "minute": 22}
